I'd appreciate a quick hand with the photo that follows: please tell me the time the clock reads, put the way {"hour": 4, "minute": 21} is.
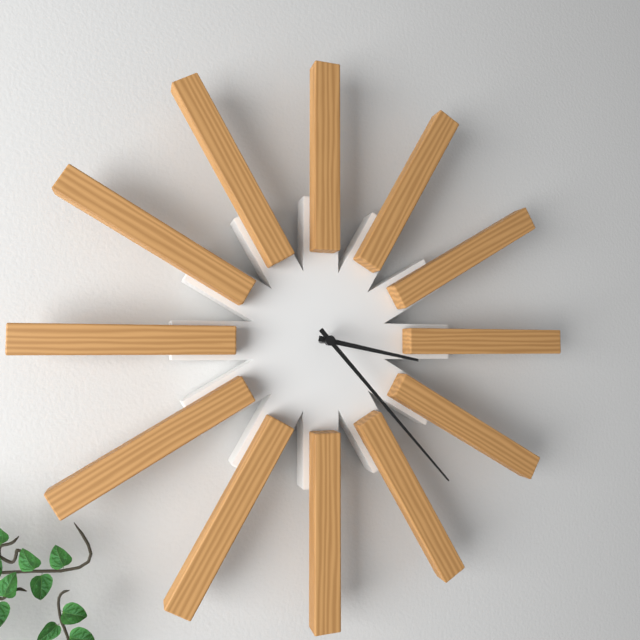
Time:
{"hour": 3, "minute": 23}
